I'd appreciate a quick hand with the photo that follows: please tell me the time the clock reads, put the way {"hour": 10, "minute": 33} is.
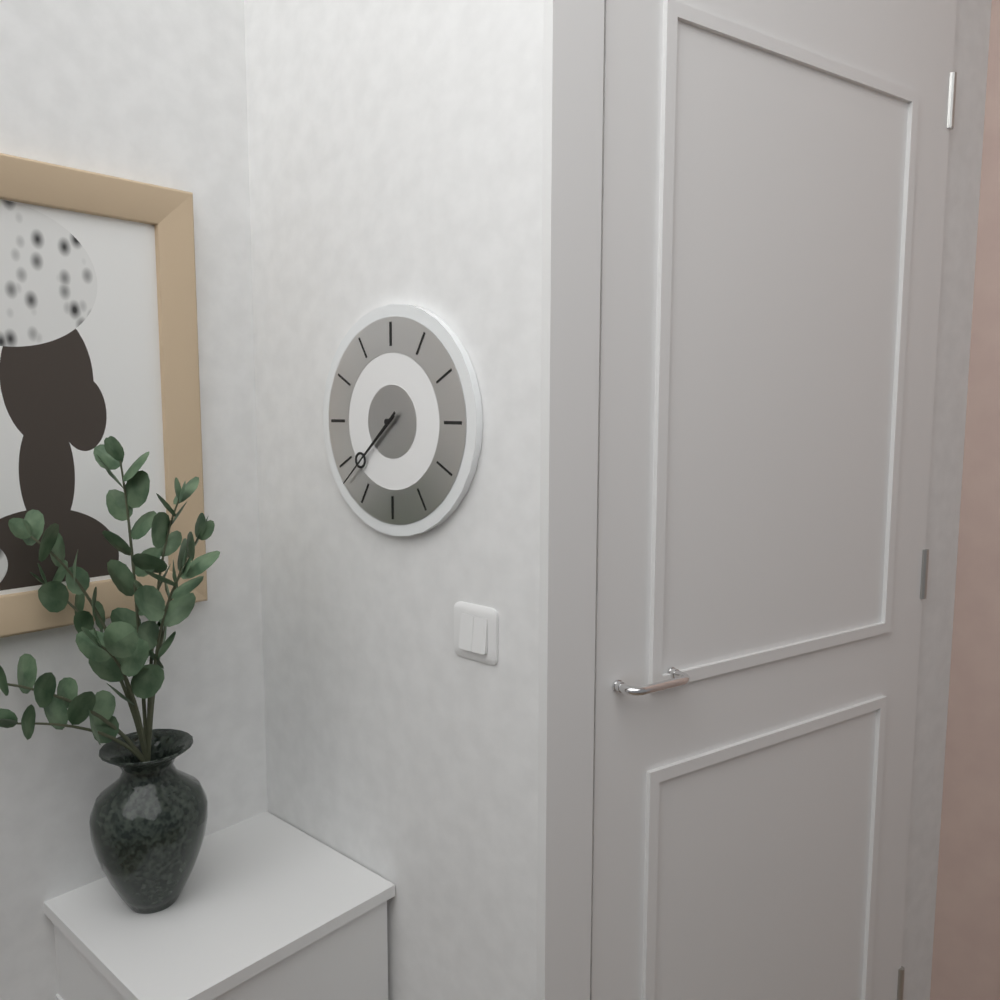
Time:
{"hour": 7, "minute": 38}
